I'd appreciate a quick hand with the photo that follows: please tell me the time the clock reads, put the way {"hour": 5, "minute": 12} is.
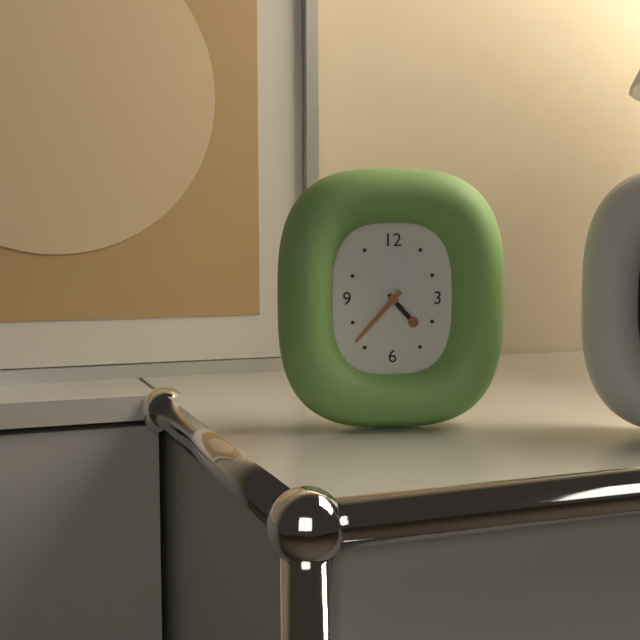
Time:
{"hour": 4, "minute": 37}
